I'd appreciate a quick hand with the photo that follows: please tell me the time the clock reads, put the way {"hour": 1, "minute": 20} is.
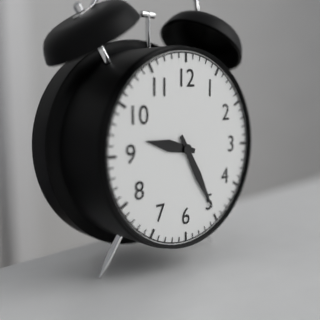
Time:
{"hour": 9, "minute": 25}
